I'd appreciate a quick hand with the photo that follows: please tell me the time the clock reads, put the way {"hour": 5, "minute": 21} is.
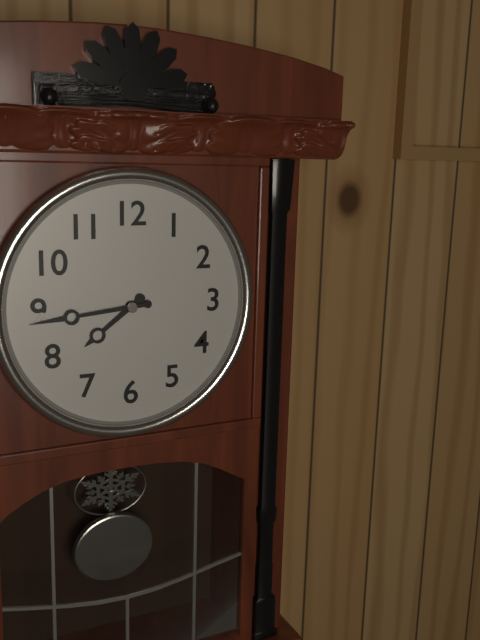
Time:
{"hour": 7, "minute": 44}
